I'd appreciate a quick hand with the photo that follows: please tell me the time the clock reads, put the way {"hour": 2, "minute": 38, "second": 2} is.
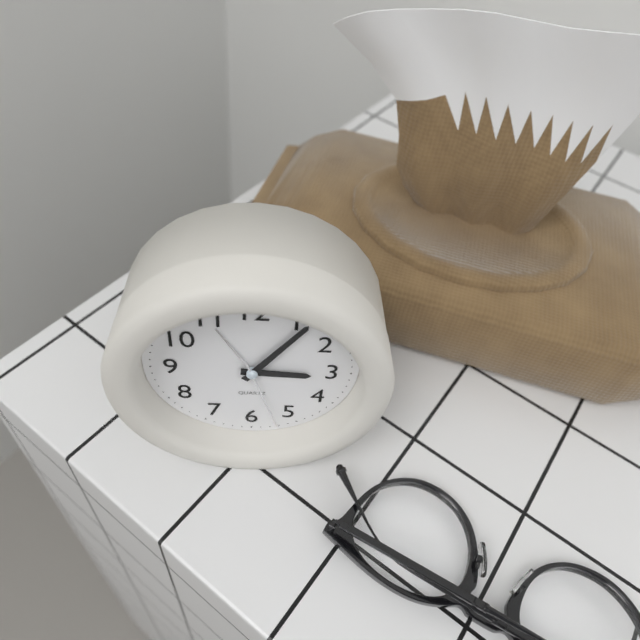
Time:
{"hour": 3, "minute": 6, "second": 27}
